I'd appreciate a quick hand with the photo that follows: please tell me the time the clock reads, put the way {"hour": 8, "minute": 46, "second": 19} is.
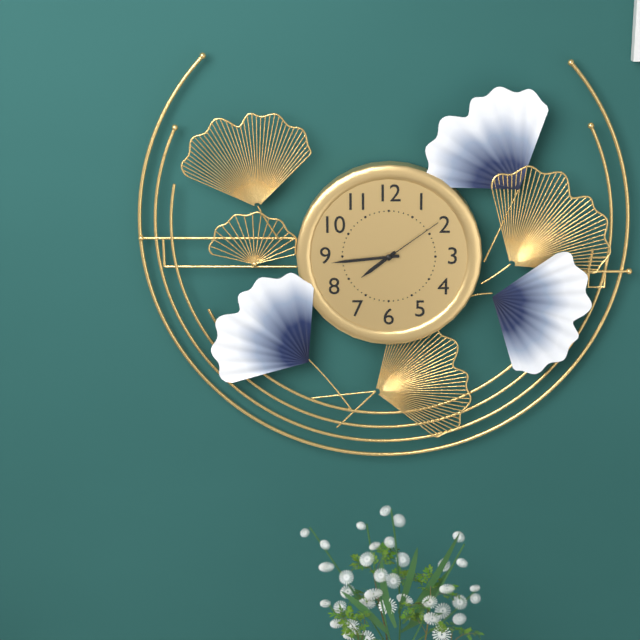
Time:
{"hour": 7, "minute": 44, "second": 9}
